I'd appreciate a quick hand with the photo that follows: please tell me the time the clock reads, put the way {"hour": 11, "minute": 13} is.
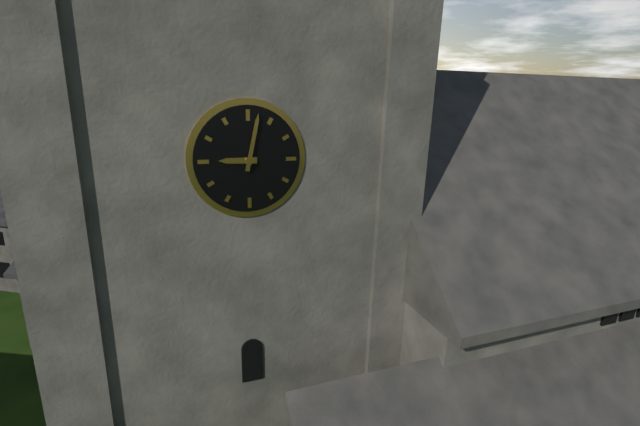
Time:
{"hour": 9, "minute": 2}
